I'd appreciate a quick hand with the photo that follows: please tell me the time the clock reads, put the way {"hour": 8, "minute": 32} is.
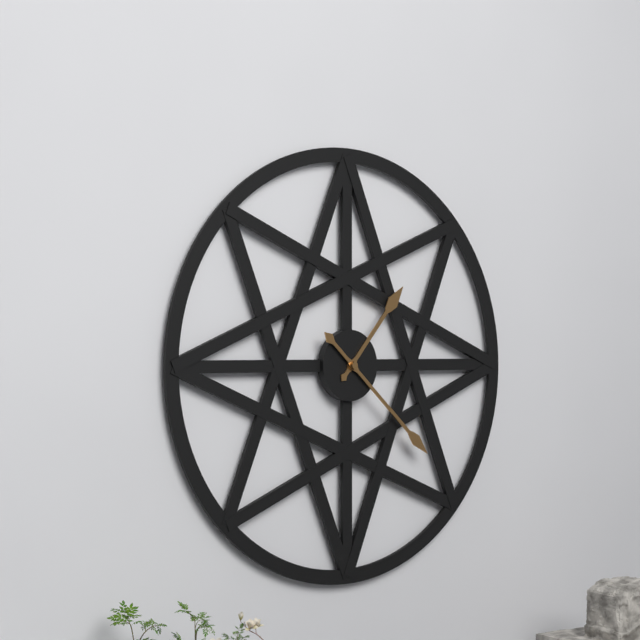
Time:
{"hour": 1, "minute": 22}
